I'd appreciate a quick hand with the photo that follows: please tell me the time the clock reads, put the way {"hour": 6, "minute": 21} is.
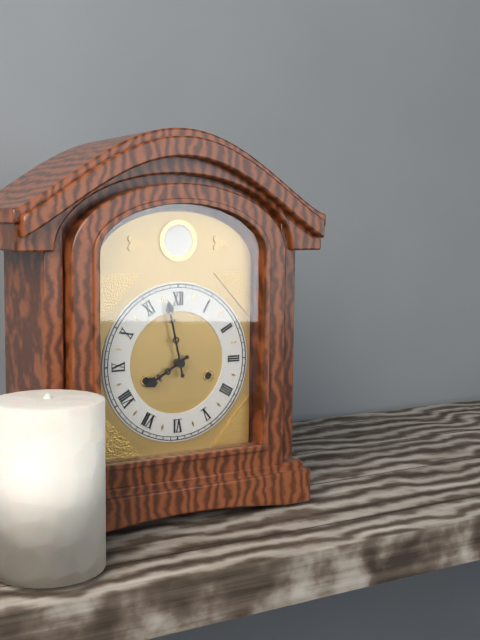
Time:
{"hour": 7, "minute": 58}
